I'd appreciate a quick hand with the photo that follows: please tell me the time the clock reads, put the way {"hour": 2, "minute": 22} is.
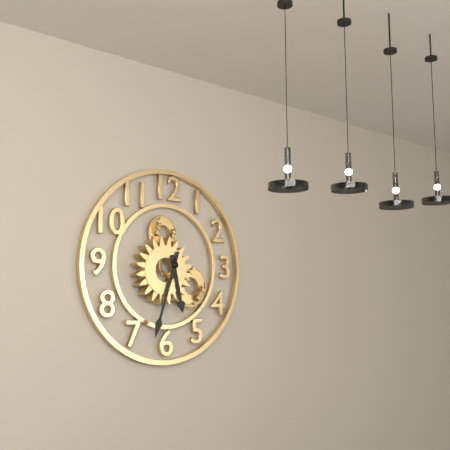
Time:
{"hour": 5, "minute": 33}
